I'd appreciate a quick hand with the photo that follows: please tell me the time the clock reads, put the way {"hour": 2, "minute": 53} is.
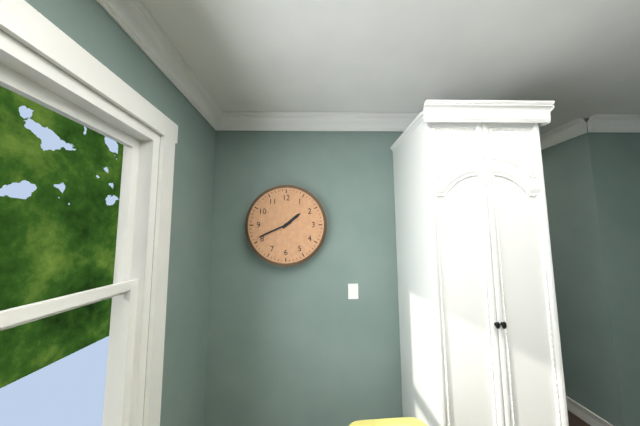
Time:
{"hour": 1, "minute": 41}
